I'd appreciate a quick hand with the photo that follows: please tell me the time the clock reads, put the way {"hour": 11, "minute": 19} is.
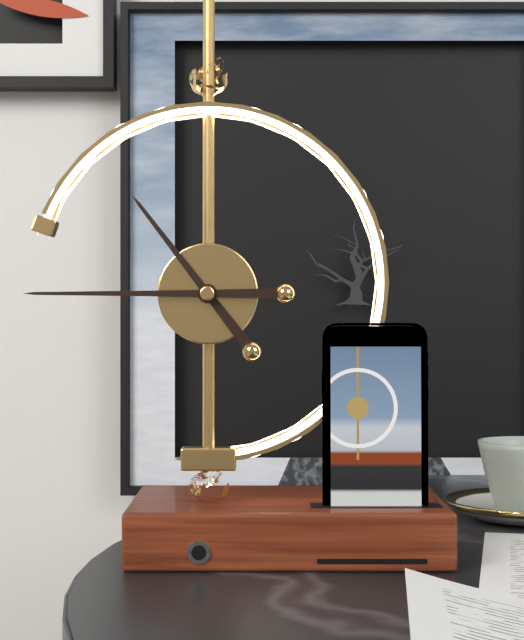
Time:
{"hour": 10, "minute": 45}
